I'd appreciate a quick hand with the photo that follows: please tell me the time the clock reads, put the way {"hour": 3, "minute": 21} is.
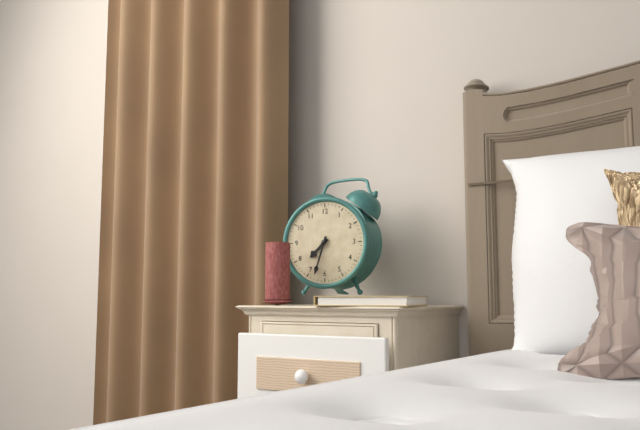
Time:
{"hour": 7, "minute": 33}
